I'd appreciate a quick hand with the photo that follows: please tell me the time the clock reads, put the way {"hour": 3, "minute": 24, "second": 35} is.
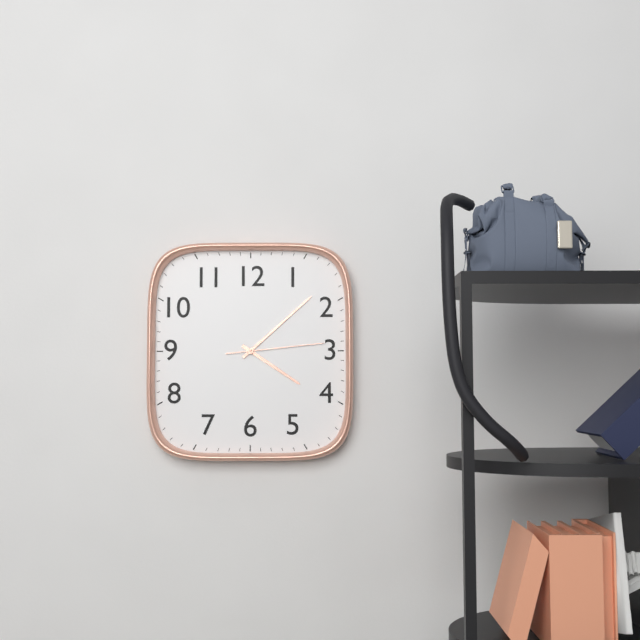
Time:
{"hour": 4, "minute": 8, "second": 14}
